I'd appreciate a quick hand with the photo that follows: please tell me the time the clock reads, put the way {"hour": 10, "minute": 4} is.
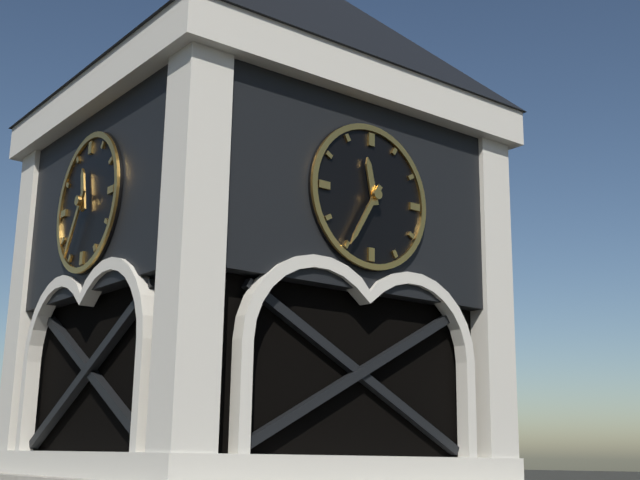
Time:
{"hour": 11, "minute": 35}
